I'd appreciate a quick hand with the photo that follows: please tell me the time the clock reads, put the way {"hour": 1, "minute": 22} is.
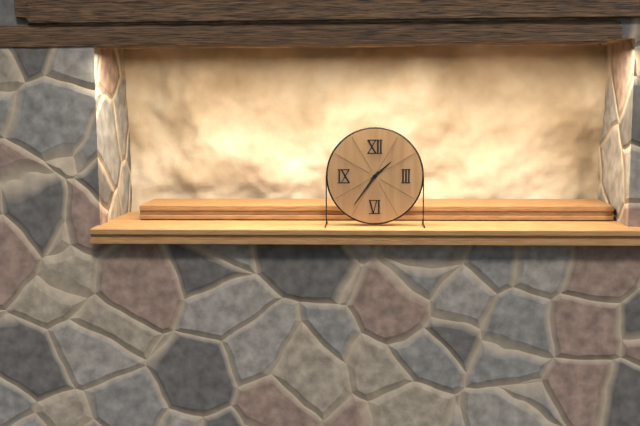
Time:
{"hour": 1, "minute": 36}
